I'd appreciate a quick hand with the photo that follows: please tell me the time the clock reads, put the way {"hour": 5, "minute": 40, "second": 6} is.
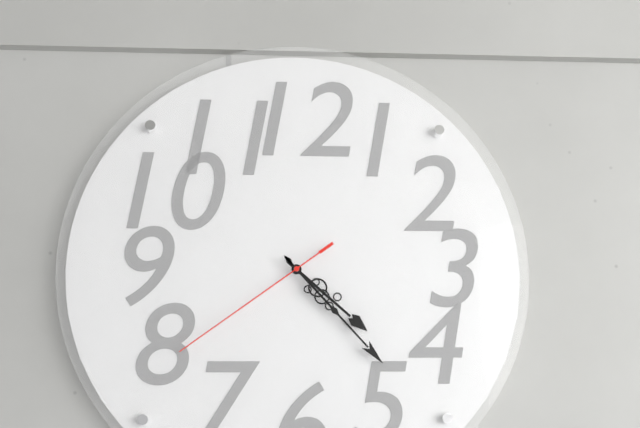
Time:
{"hour": 4, "minute": 23, "second": 39}
